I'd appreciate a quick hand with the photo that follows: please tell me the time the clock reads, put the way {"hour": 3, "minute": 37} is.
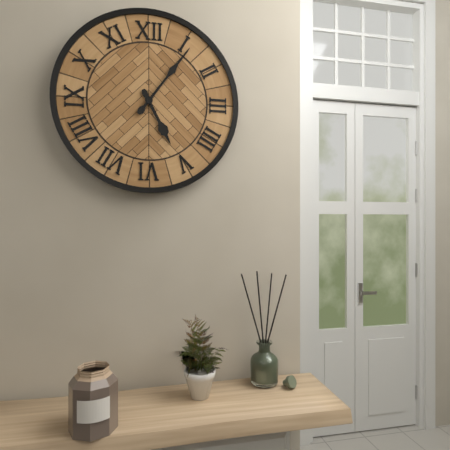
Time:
{"hour": 5, "minute": 6}
